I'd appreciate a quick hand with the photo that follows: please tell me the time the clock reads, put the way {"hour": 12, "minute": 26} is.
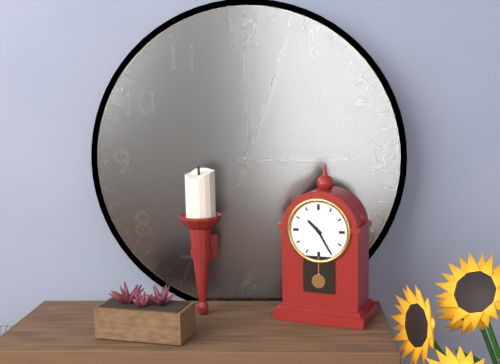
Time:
{"hour": 10, "minute": 25}
